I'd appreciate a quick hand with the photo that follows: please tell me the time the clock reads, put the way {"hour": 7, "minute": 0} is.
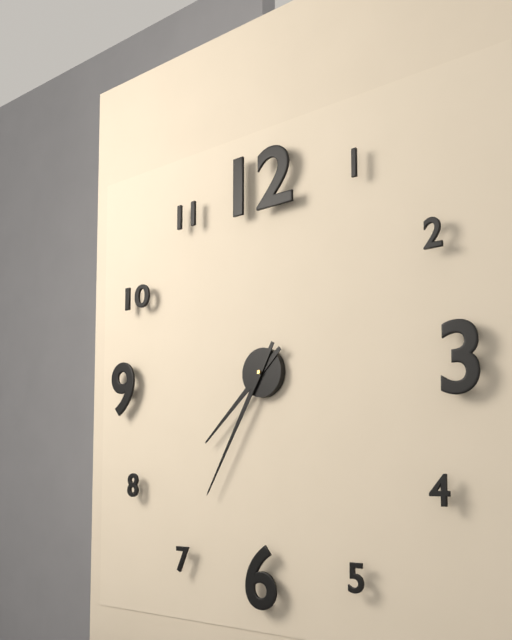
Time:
{"hour": 7, "minute": 35}
